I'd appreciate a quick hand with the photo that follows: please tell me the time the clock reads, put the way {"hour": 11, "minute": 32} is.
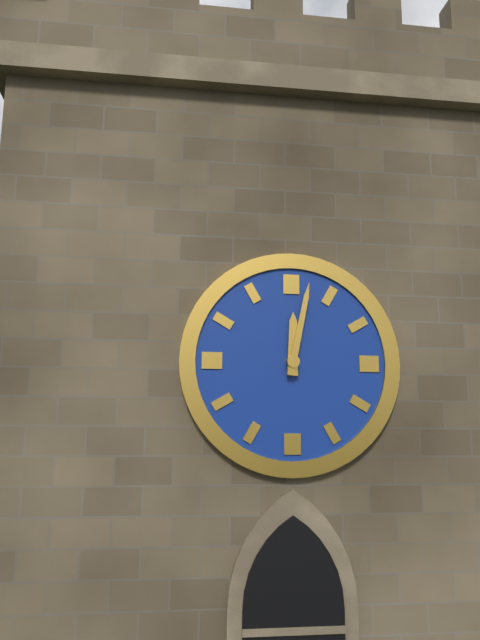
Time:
{"hour": 12, "minute": 2}
